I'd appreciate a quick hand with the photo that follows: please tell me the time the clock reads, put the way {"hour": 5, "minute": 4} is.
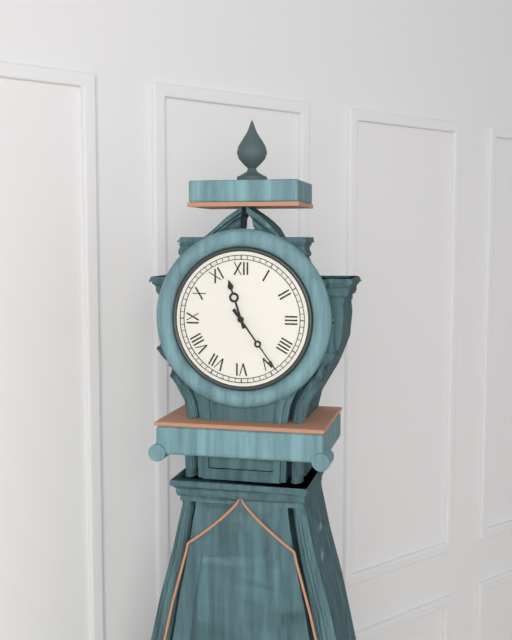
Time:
{"hour": 11, "minute": 24}
